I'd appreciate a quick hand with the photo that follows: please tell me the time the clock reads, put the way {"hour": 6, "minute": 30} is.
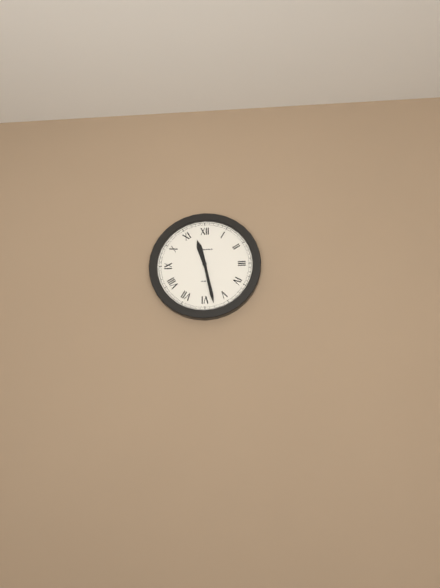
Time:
{"hour": 11, "minute": 28}
